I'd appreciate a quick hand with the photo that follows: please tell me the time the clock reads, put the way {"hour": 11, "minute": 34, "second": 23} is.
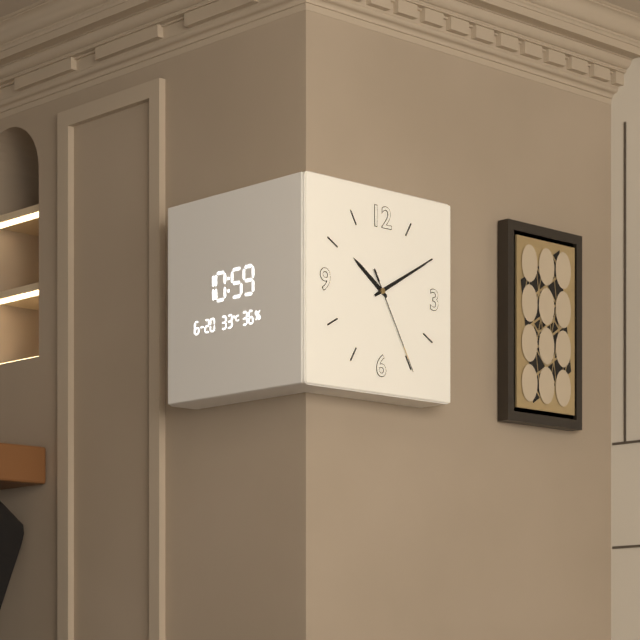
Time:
{"hour": 10, "minute": 10, "second": 25}
